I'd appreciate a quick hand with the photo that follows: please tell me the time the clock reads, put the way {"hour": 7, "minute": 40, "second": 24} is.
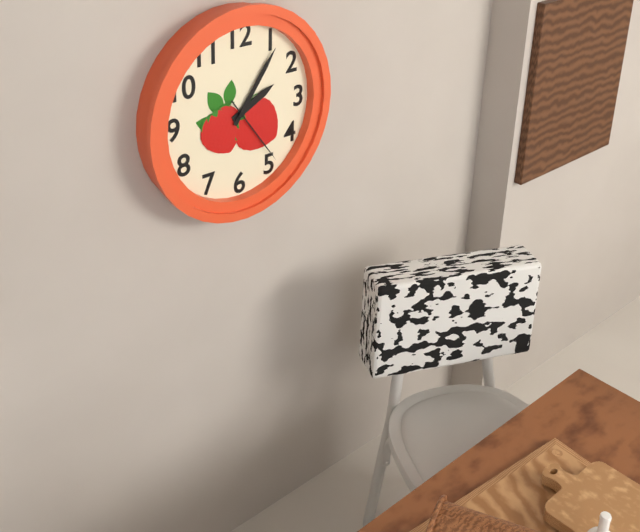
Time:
{"hour": 2, "minute": 6, "second": 24}
